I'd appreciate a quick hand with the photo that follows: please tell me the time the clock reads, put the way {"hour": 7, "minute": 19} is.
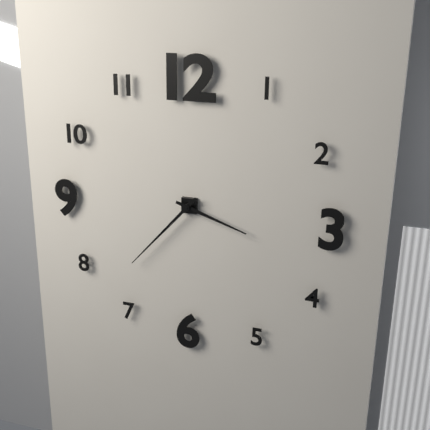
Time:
{"hour": 3, "minute": 37}
